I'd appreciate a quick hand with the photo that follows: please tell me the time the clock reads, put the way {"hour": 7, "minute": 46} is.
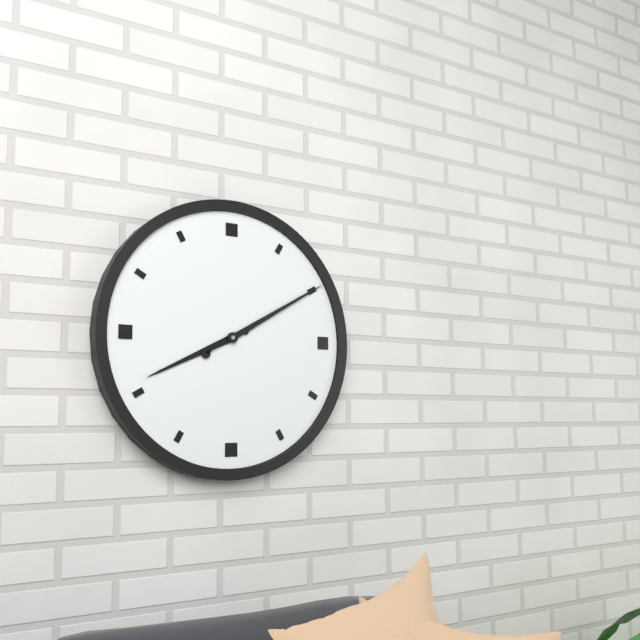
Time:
{"hour": 8, "minute": 10}
